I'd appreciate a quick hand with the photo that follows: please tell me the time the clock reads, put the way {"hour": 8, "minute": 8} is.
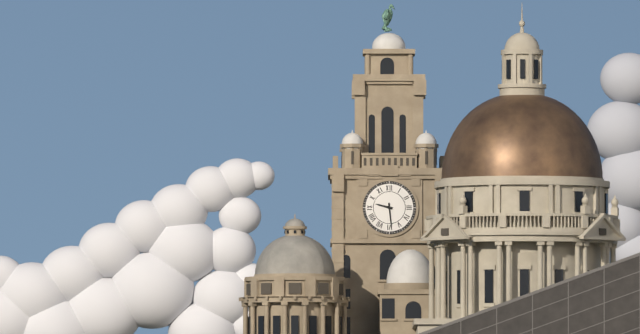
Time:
{"hour": 9, "minute": 29}
